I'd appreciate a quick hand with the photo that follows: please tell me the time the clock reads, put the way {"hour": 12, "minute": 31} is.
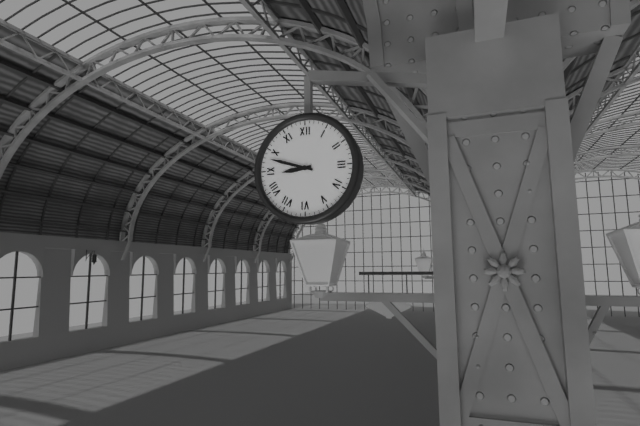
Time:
{"hour": 8, "minute": 48}
